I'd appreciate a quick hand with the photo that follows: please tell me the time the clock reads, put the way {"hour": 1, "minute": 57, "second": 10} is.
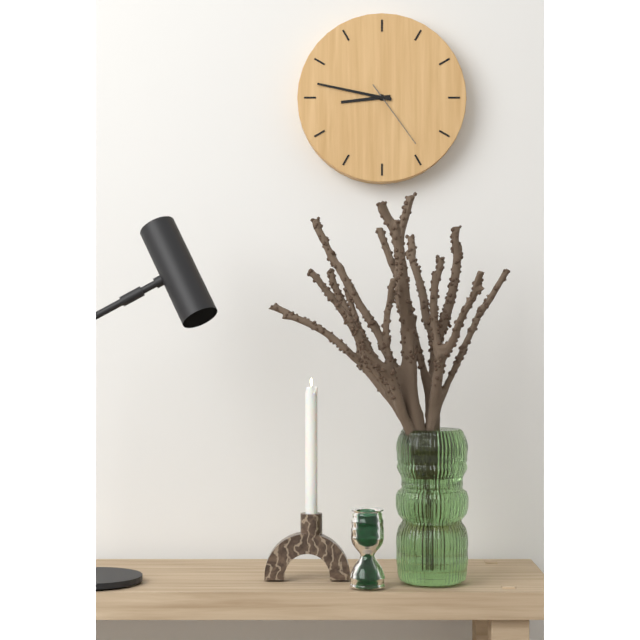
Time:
{"hour": 8, "minute": 47, "second": 24}
